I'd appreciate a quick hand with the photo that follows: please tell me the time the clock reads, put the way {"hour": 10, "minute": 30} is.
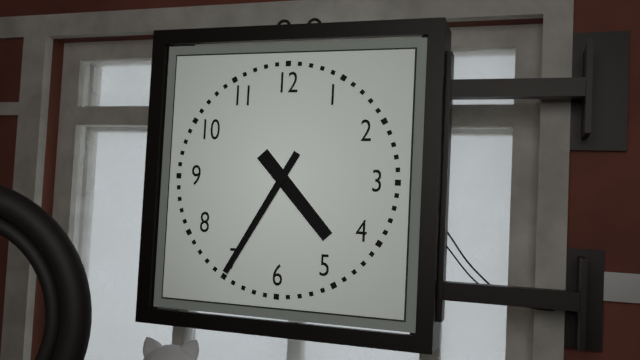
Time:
{"hour": 4, "minute": 35}
